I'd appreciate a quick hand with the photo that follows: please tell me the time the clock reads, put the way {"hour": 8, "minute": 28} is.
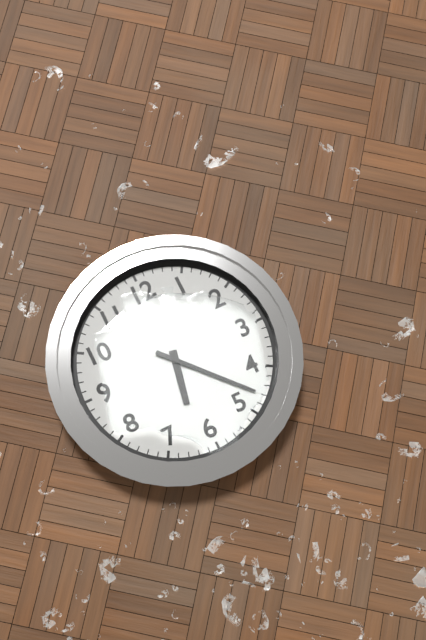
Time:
{"hour": 6, "minute": 23}
